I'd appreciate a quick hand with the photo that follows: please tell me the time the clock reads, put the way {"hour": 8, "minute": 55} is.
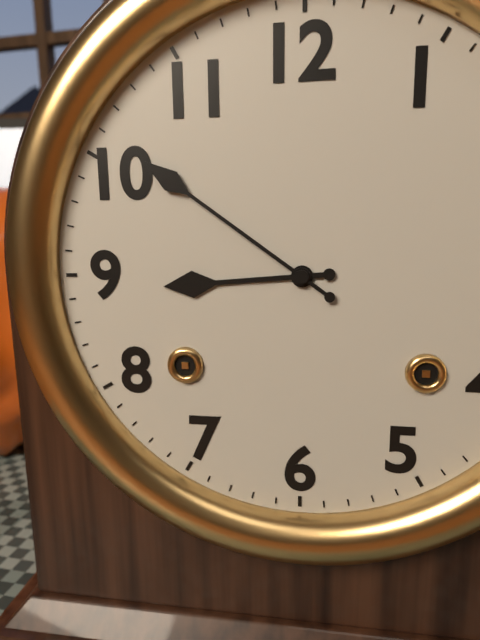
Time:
{"hour": 8, "minute": 51}
